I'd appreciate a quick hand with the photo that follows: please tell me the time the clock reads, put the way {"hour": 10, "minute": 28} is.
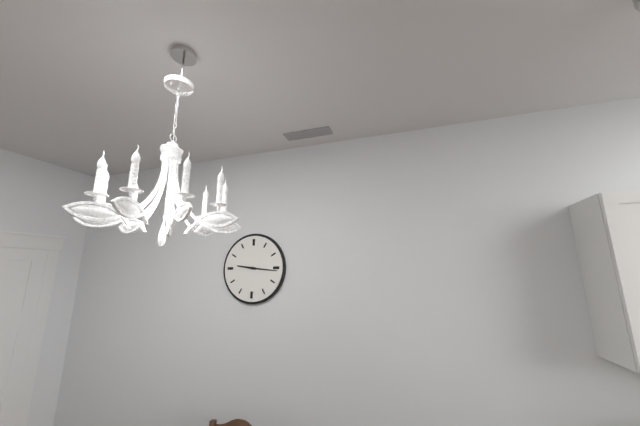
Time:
{"hour": 9, "minute": 16}
